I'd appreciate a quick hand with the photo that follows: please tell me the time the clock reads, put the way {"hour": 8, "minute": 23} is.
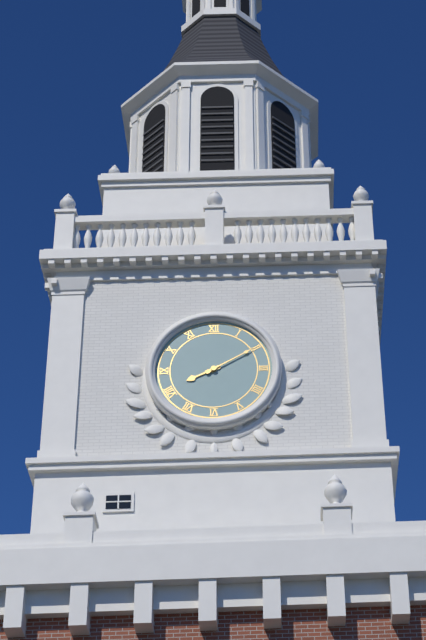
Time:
{"hour": 8, "minute": 10}
